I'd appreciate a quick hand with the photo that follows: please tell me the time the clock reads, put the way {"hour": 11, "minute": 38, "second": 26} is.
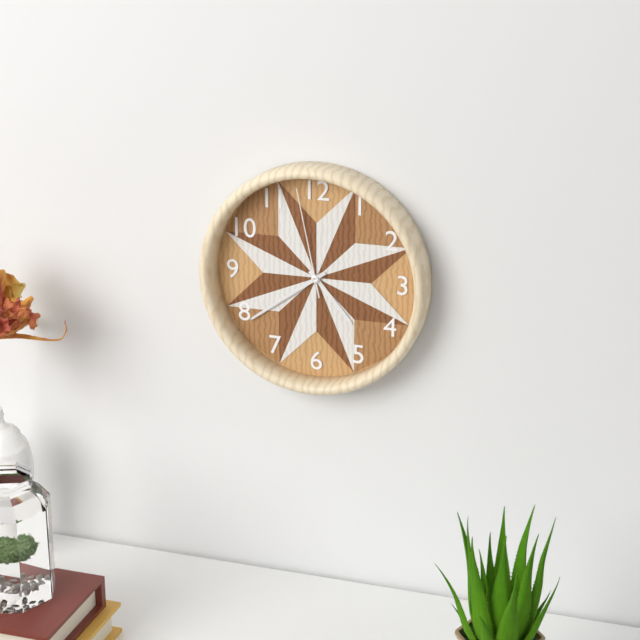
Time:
{"hour": 4, "minute": 39, "second": 58}
